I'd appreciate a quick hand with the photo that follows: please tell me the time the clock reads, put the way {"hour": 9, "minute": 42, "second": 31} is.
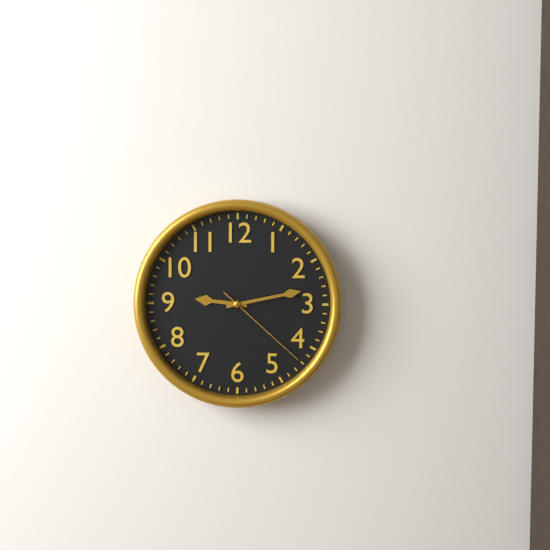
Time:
{"hour": 9, "minute": 13, "second": 22}
